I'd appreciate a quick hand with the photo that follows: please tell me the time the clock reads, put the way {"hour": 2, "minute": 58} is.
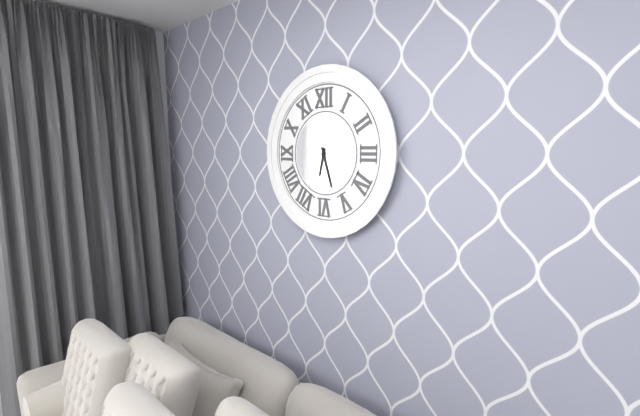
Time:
{"hour": 6, "minute": 27}
